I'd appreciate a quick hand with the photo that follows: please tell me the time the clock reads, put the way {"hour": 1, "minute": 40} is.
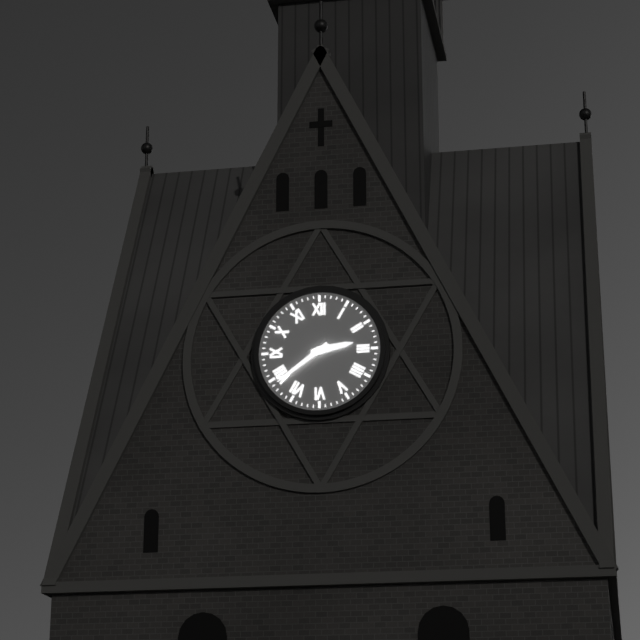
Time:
{"hour": 2, "minute": 39}
